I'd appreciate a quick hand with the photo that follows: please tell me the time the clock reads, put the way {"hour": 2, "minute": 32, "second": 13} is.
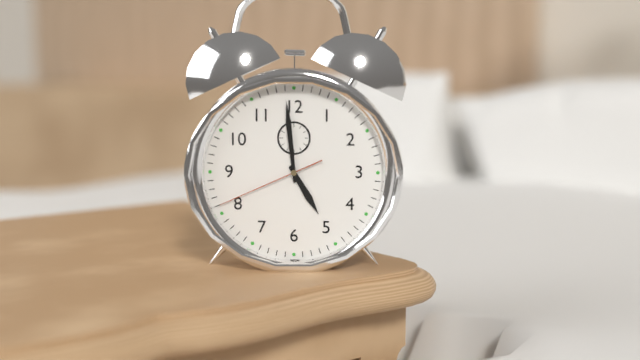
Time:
{"hour": 4, "minute": 59, "second": 41}
